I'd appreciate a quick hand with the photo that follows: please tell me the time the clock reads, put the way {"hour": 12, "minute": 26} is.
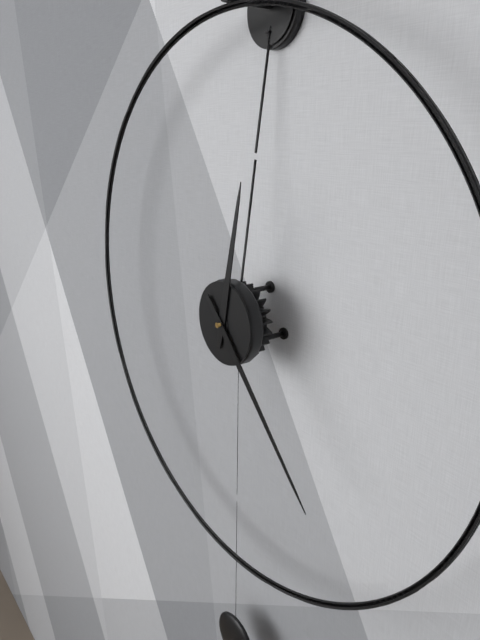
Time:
{"hour": 12, "minute": 23}
